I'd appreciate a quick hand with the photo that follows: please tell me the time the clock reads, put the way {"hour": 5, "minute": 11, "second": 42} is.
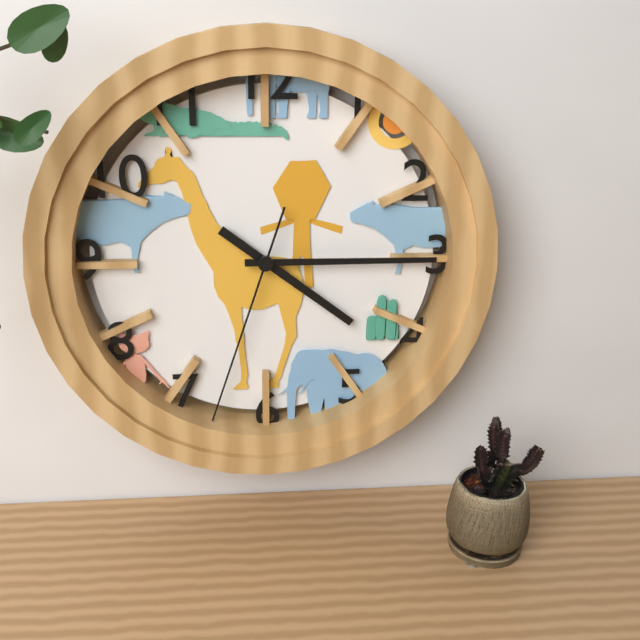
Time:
{"hour": 4, "minute": 15, "second": 33}
